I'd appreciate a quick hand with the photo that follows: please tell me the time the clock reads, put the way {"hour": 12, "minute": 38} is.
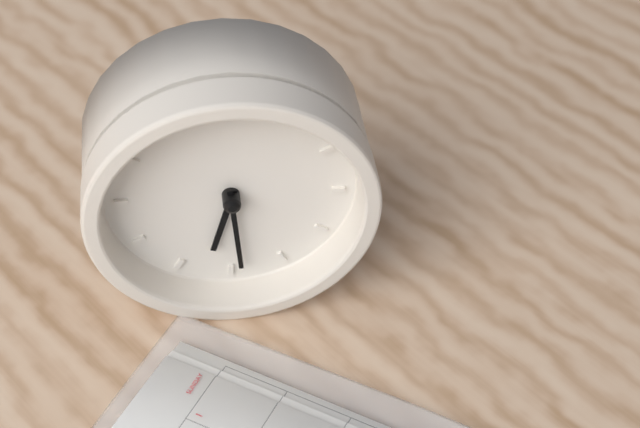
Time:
{"hour": 6, "minute": 29}
